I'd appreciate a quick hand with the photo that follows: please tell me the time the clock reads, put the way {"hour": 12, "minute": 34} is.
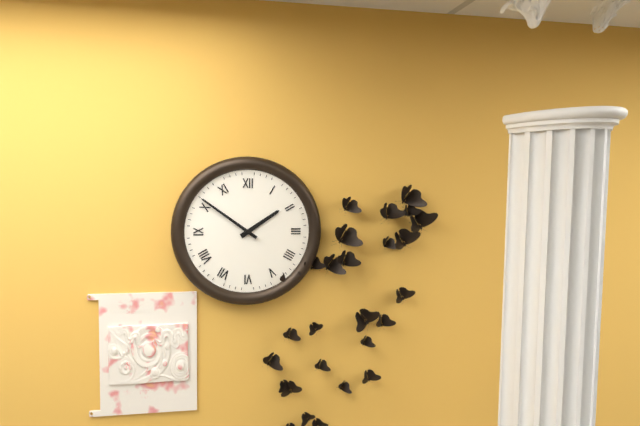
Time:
{"hour": 1, "minute": 51}
